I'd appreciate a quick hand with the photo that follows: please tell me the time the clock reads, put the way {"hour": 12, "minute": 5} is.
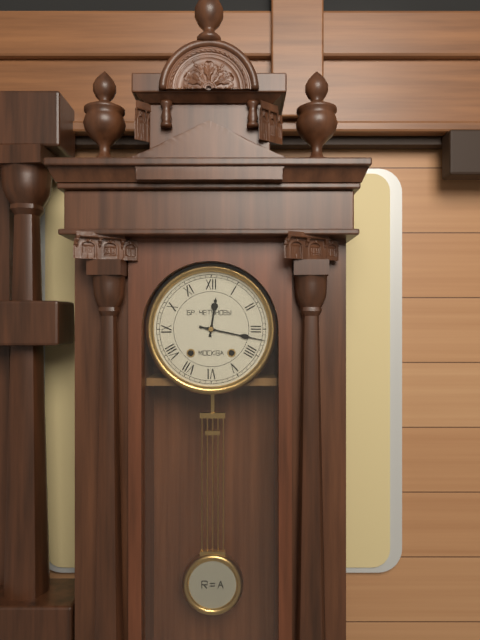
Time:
{"hour": 12, "minute": 17}
